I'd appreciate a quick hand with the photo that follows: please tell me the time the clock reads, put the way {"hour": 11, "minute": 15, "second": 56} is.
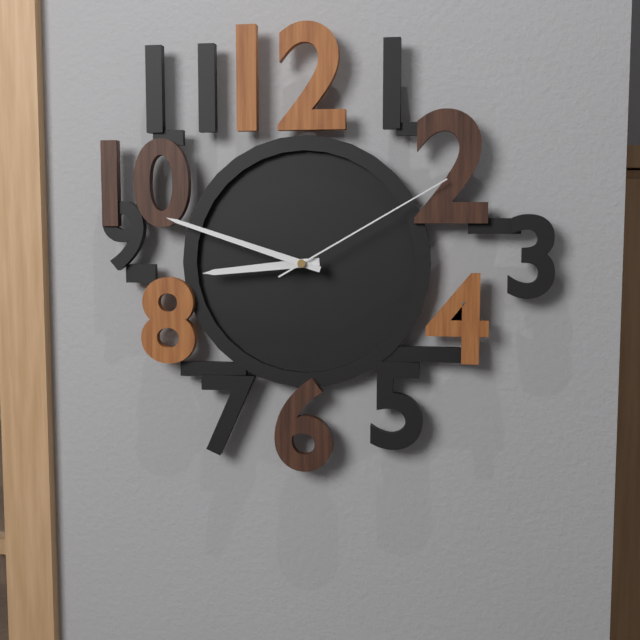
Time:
{"hour": 8, "minute": 48, "second": 10}
